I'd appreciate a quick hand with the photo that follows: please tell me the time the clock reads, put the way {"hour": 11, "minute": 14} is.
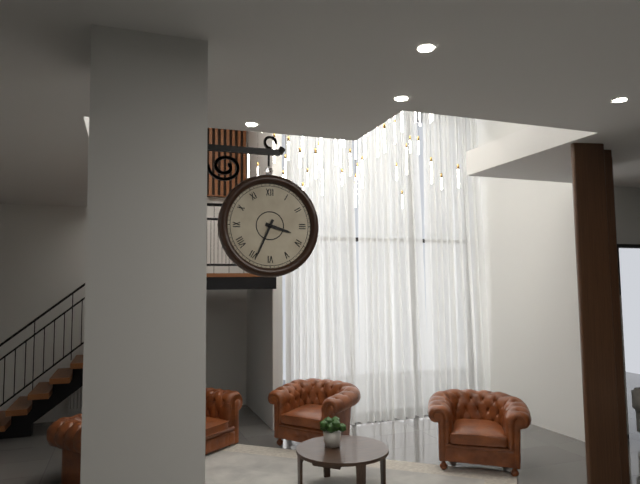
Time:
{"hour": 3, "minute": 34}
